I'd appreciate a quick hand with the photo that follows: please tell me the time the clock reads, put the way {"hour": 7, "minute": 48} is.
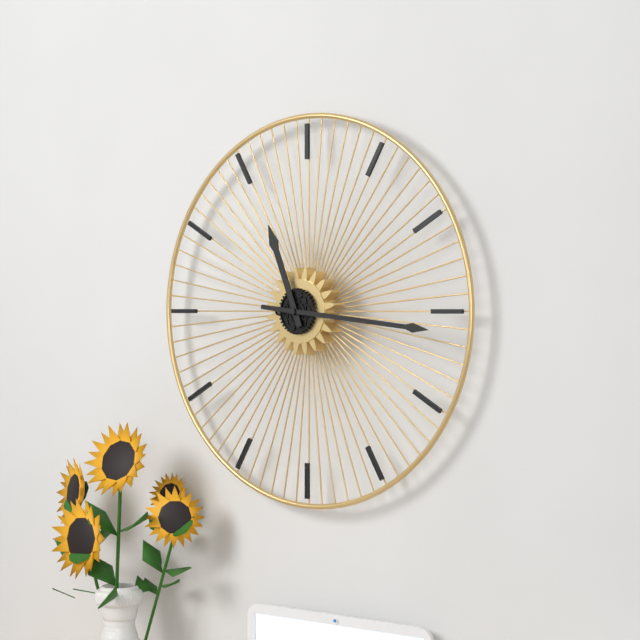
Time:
{"hour": 11, "minute": 16}
